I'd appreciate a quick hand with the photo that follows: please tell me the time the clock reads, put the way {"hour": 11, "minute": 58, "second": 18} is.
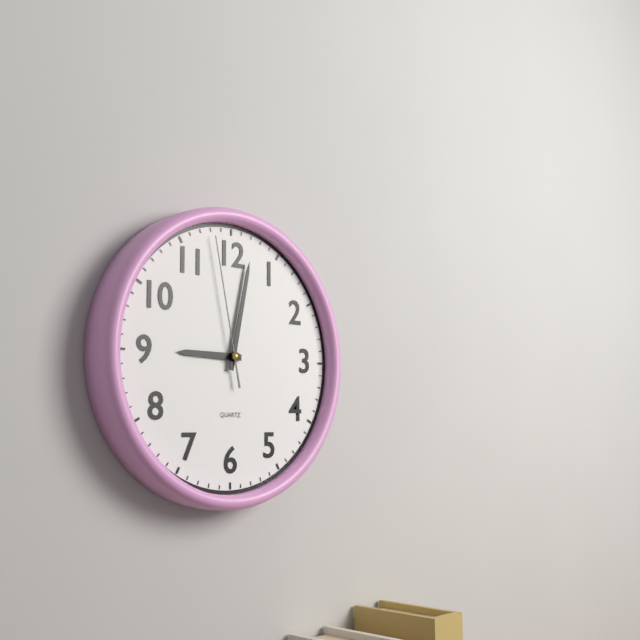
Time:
{"hour": 9, "minute": 2, "second": 58}
